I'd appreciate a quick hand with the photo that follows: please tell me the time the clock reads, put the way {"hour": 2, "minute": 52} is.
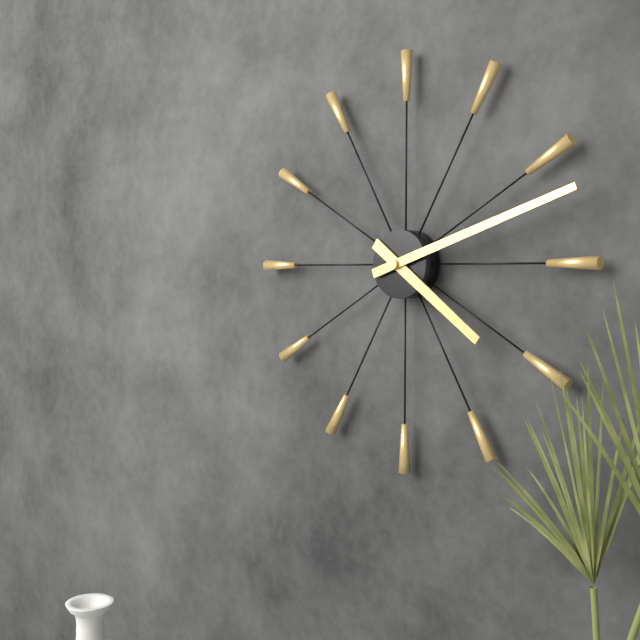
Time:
{"hour": 4, "minute": 12}
